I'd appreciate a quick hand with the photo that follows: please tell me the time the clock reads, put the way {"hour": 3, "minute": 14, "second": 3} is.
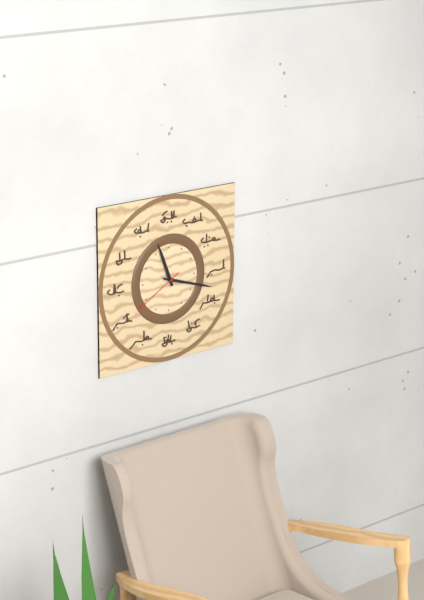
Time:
{"hour": 11, "minute": 18, "second": 40}
